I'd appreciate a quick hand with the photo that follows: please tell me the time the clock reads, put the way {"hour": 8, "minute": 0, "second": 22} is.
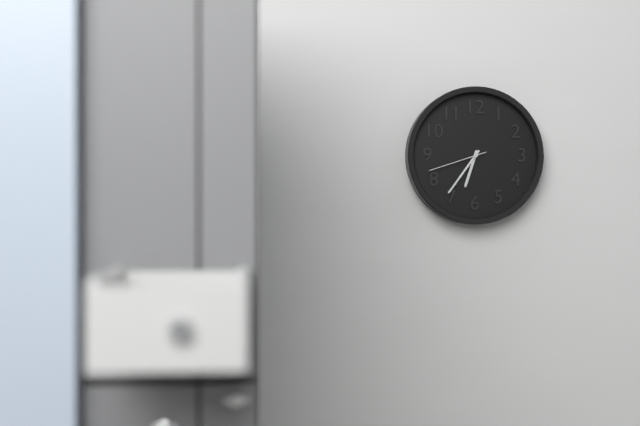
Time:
{"hour": 6, "minute": 36, "second": 42}
